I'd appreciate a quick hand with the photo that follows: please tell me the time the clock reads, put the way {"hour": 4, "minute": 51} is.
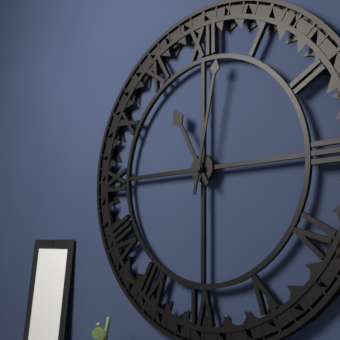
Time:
{"hour": 11, "minute": 2}
